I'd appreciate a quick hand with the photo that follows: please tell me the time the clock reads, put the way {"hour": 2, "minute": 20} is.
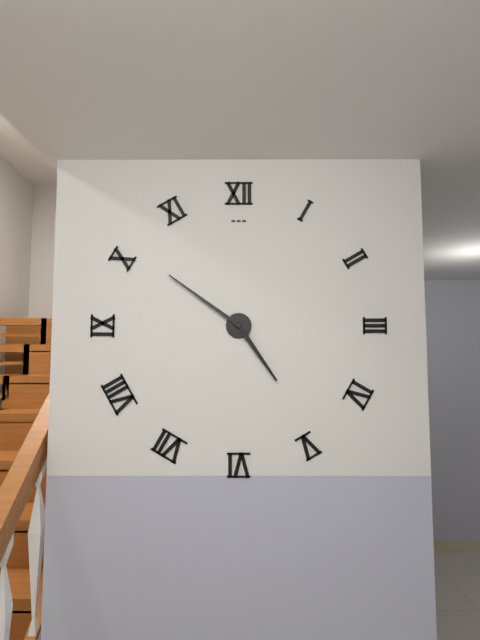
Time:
{"hour": 4, "minute": 51}
